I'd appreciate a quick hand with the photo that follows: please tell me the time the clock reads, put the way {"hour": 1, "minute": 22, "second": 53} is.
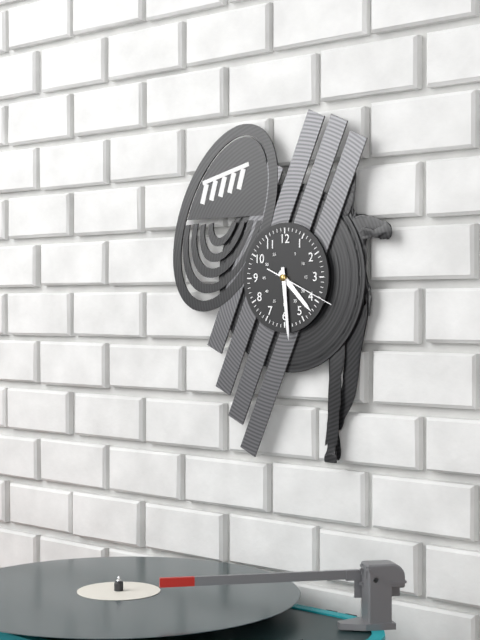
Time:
{"hour": 4, "minute": 29, "second": 19}
